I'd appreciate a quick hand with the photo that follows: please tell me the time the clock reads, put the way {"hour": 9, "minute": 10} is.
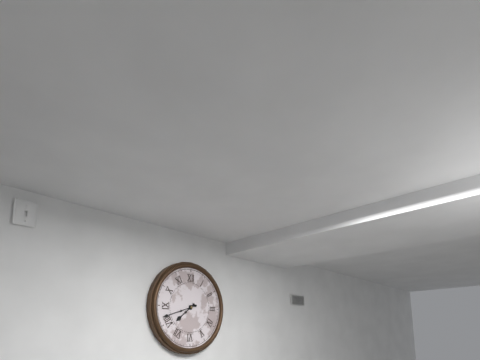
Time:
{"hour": 7, "minute": 42}
